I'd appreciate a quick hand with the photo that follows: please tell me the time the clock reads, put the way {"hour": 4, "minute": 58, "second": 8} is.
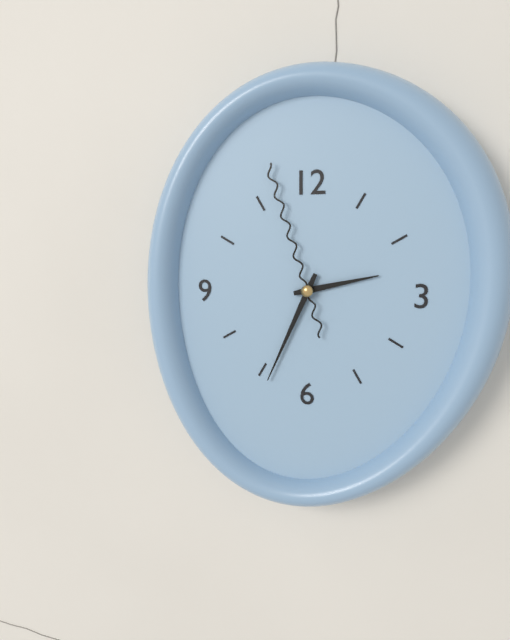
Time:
{"hour": 2, "minute": 34, "second": 57}
